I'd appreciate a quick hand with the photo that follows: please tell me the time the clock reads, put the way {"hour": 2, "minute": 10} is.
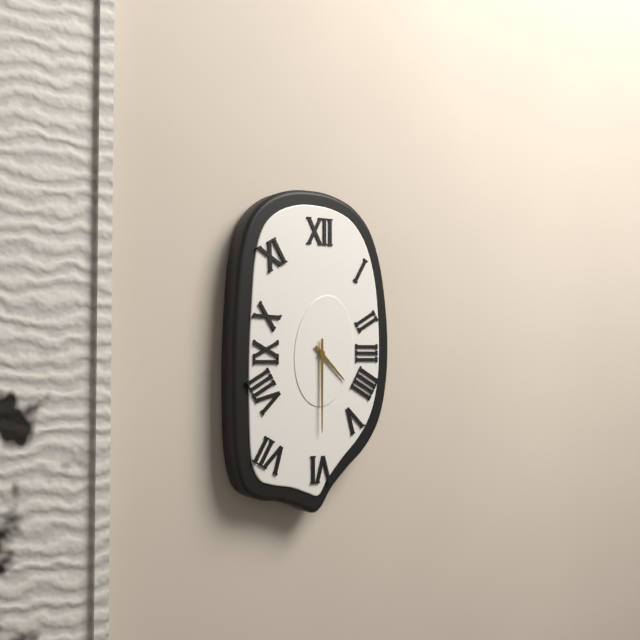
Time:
{"hour": 4, "minute": 30}
